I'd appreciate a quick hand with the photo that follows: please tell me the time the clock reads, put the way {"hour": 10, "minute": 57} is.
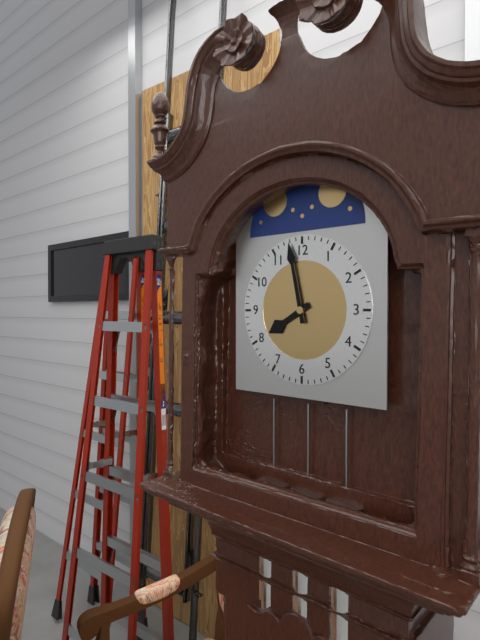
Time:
{"hour": 7, "minute": 58}
